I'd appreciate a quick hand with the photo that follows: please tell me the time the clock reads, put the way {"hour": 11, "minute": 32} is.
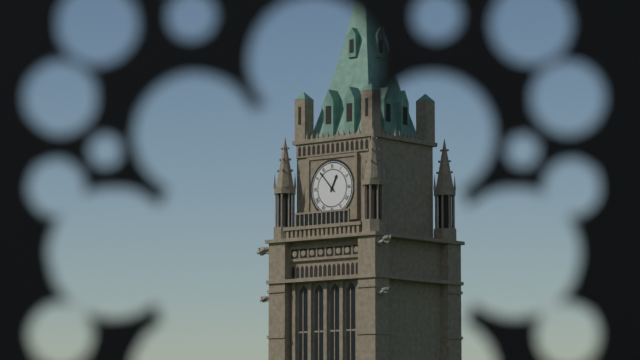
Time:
{"hour": 12, "minute": 53}
